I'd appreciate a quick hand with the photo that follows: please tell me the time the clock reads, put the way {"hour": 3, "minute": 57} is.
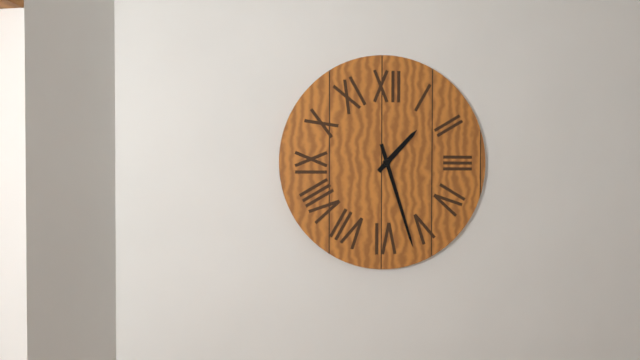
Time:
{"hour": 1, "minute": 27}
